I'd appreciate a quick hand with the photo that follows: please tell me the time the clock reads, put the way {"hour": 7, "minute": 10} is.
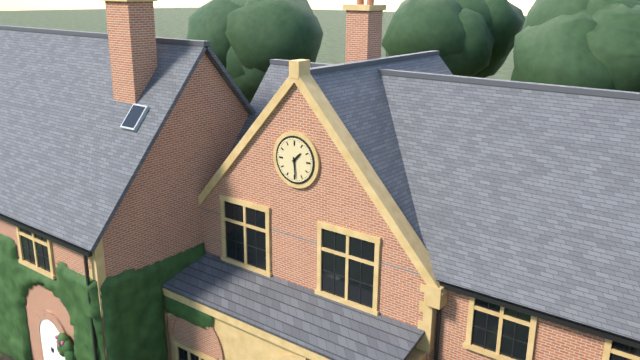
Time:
{"hour": 1, "minute": 29}
